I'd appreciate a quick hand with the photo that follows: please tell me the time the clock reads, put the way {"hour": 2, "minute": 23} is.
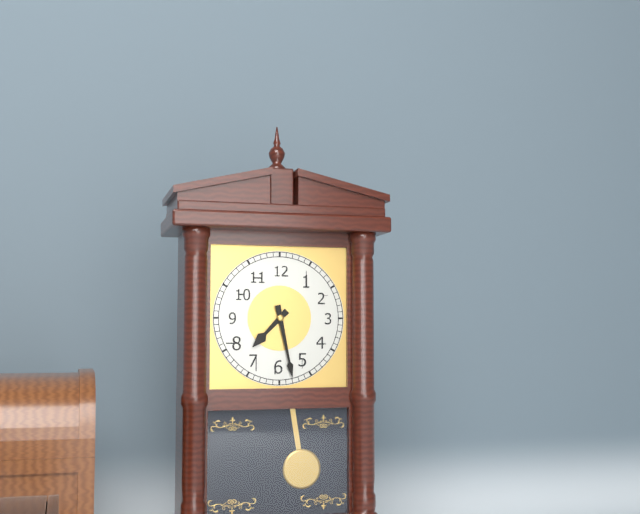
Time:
{"hour": 7, "minute": 28}
